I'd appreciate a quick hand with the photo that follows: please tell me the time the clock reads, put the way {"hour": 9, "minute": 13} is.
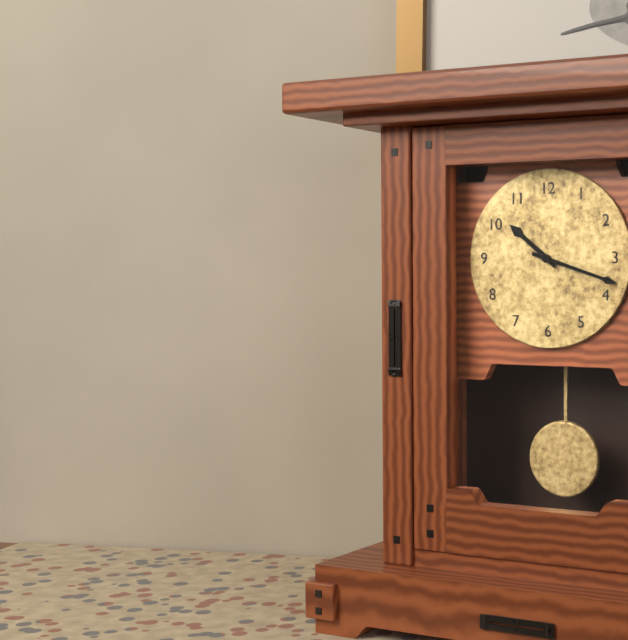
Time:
{"hour": 10, "minute": 18}
